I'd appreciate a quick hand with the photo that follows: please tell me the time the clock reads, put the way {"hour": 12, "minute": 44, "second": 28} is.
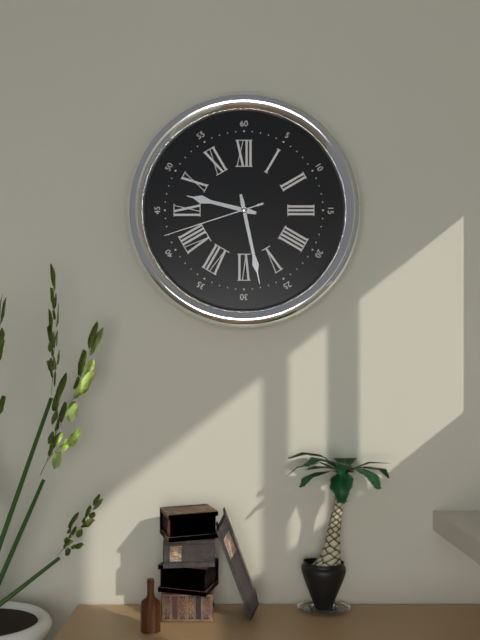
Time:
{"hour": 9, "minute": 28, "second": 42}
